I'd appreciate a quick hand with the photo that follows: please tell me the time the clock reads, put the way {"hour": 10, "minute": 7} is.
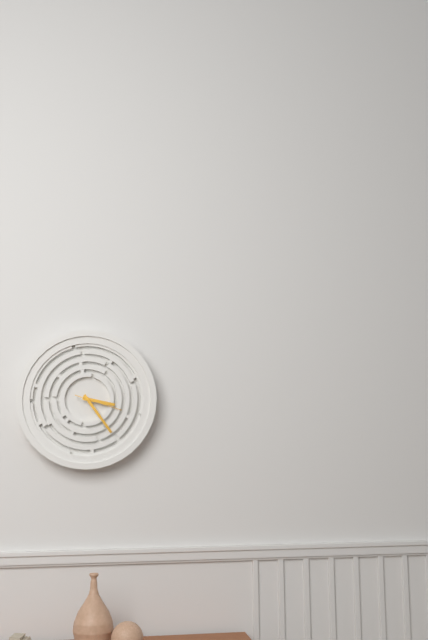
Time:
{"hour": 3, "minute": 24}
